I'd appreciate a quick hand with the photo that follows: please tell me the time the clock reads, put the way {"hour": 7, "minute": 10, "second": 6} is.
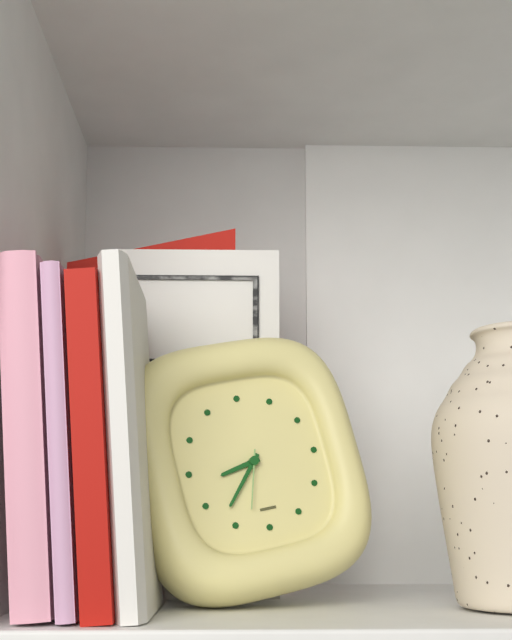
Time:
{"hour": 8, "minute": 37, "second": 33}
